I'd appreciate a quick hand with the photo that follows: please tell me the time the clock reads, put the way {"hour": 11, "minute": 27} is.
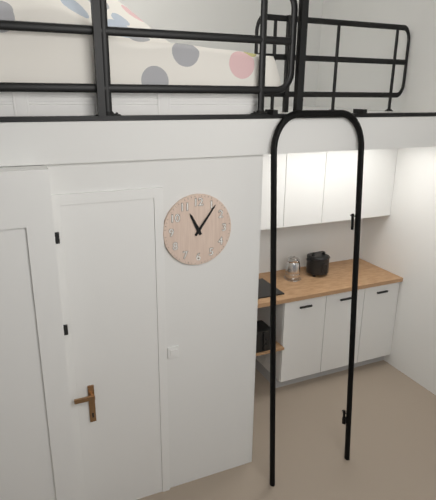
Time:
{"hour": 11, "minute": 6}
